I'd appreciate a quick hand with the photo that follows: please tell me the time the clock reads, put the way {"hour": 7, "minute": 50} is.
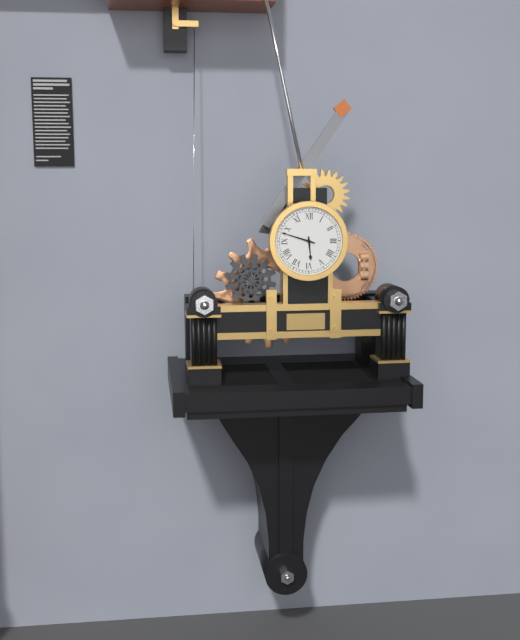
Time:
{"hour": 5, "minute": 48}
